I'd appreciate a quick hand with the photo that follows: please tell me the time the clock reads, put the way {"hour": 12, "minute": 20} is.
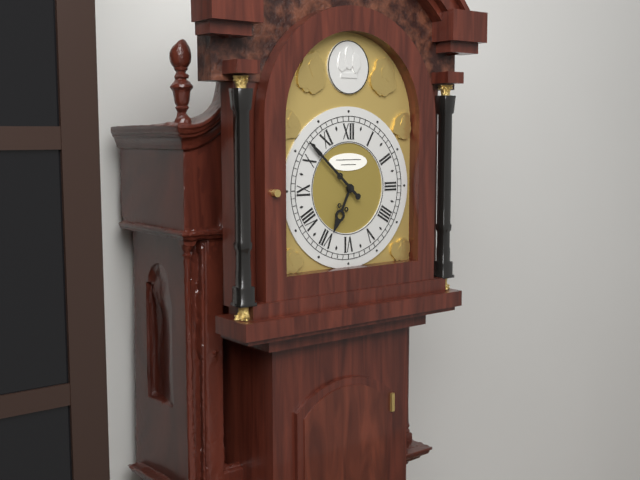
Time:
{"hour": 6, "minute": 52}
